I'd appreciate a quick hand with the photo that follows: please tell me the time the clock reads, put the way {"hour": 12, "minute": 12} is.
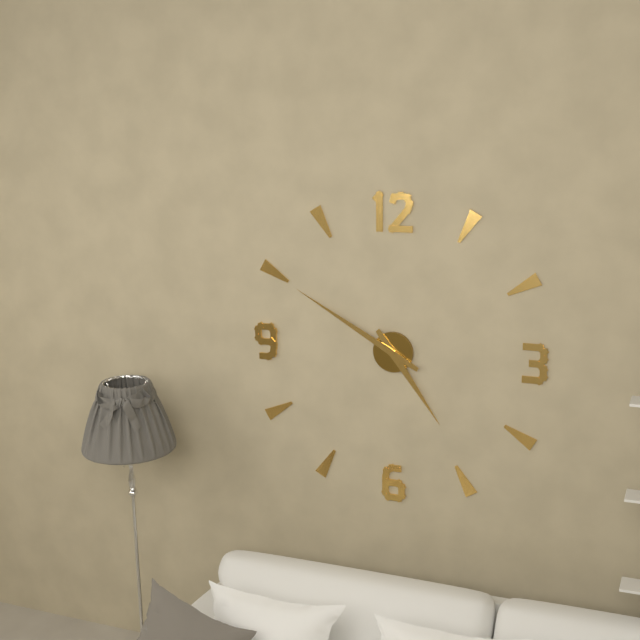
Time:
{"hour": 4, "minute": 50}
